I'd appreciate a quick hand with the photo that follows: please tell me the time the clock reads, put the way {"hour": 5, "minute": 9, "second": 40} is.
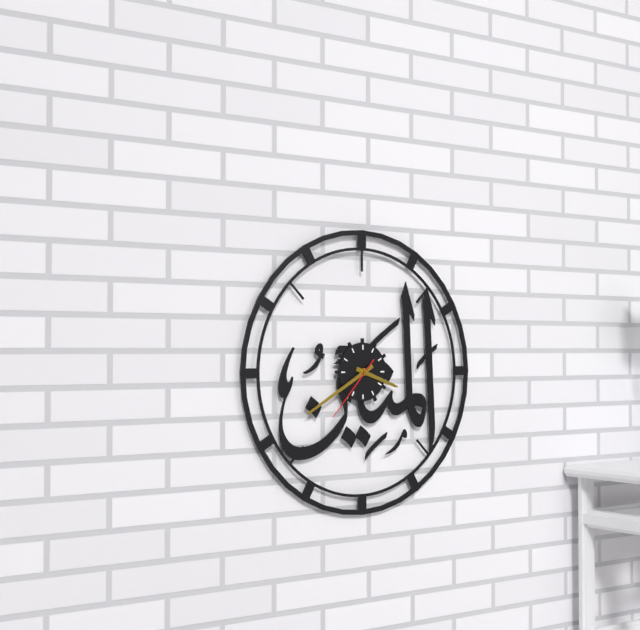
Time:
{"hour": 3, "minute": 40, "second": 37}
